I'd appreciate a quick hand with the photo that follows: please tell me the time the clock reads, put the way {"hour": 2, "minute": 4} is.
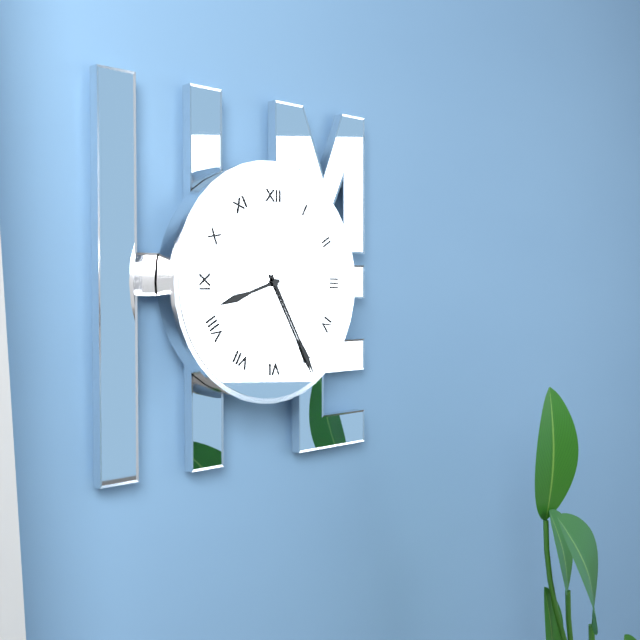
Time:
{"hour": 8, "minute": 25}
